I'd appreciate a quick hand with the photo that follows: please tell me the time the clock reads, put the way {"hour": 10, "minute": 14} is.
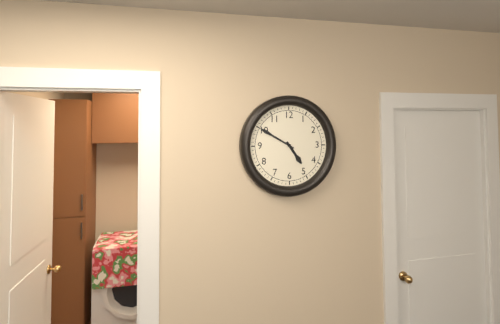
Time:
{"hour": 4, "minute": 50}
